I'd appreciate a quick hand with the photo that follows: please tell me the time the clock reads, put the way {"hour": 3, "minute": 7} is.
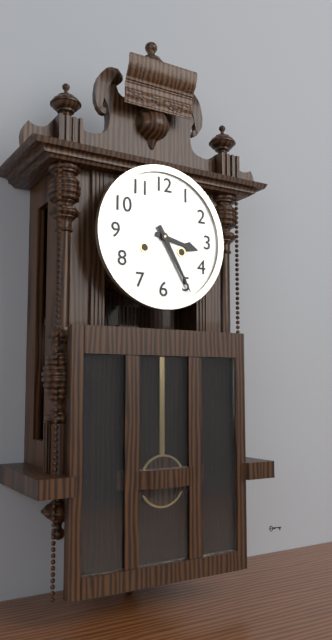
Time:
{"hour": 3, "minute": 25}
